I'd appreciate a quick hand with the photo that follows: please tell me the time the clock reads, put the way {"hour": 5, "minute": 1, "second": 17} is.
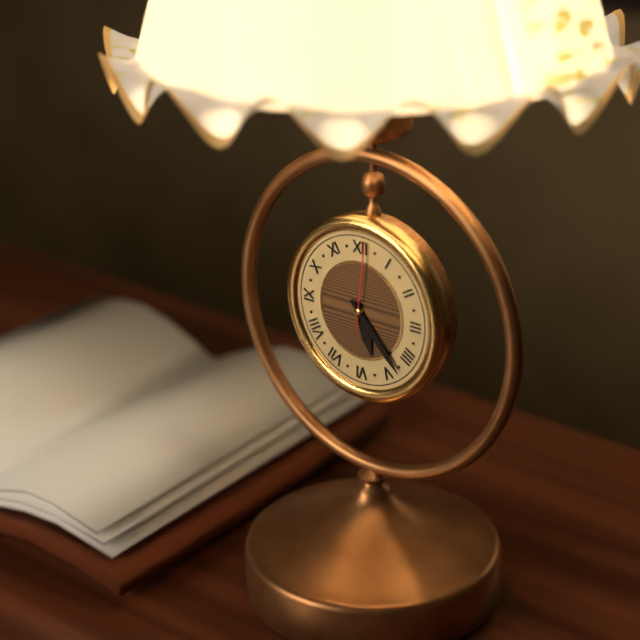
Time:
{"hour": 5, "minute": 23, "second": 1}
